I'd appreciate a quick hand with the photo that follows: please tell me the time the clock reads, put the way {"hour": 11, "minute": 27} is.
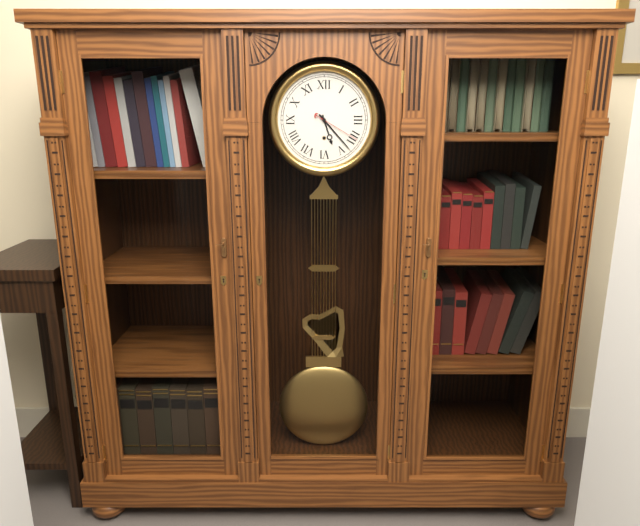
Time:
{"hour": 5, "minute": 23}
